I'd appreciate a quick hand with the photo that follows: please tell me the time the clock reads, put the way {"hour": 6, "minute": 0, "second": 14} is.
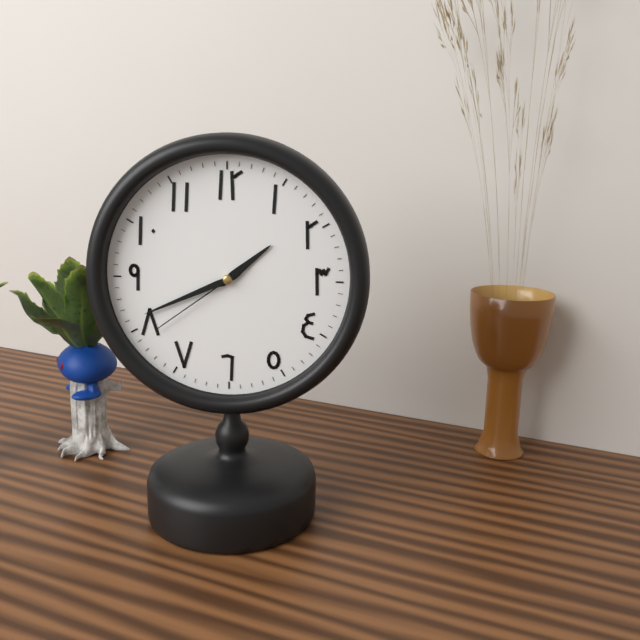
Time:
{"hour": 1, "minute": 41, "second": 39}
